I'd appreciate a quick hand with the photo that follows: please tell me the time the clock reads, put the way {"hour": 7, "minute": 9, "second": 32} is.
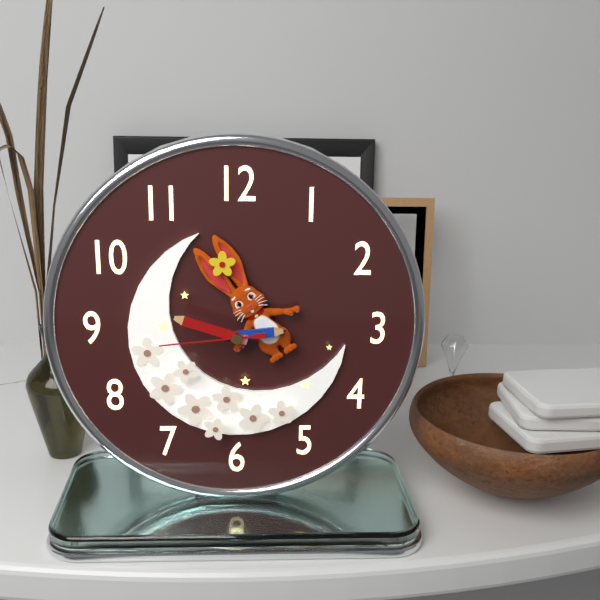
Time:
{"hour": 2, "minute": 48, "second": 44}
